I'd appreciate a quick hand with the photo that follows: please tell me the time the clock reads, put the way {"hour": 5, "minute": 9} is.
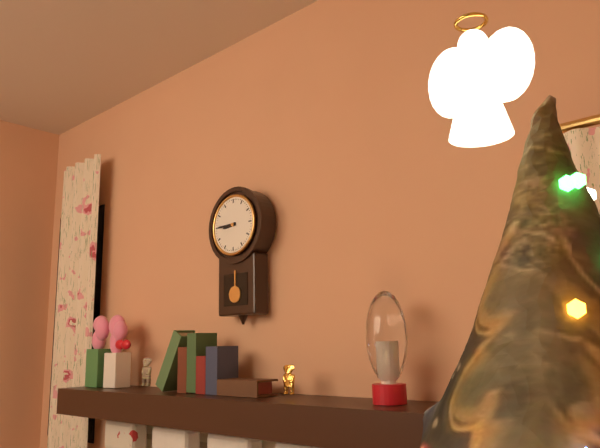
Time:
{"hour": 8, "minute": 45}
